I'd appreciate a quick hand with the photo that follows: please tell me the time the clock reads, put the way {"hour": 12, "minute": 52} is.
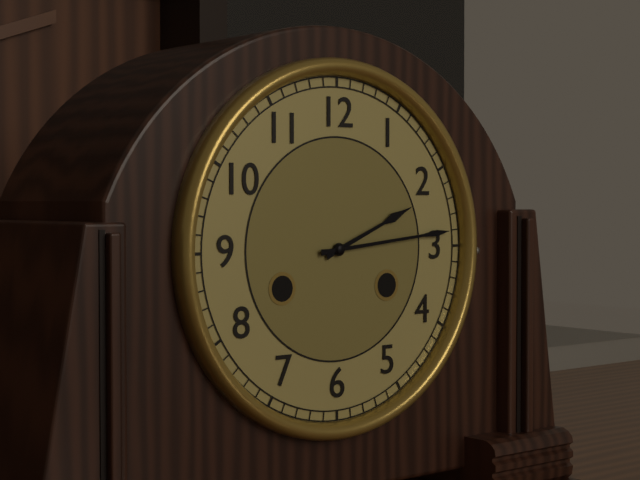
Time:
{"hour": 2, "minute": 14}
